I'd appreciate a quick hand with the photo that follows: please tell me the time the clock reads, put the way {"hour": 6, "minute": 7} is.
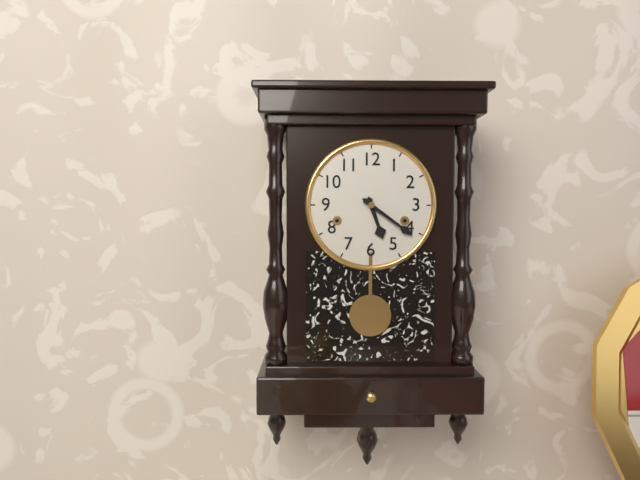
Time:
{"hour": 5, "minute": 21}
